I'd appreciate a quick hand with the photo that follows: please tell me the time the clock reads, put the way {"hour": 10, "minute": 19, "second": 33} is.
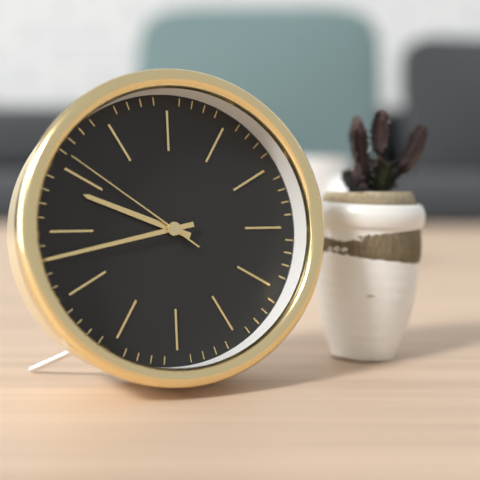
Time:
{"hour": 9, "minute": 43, "second": 51}
